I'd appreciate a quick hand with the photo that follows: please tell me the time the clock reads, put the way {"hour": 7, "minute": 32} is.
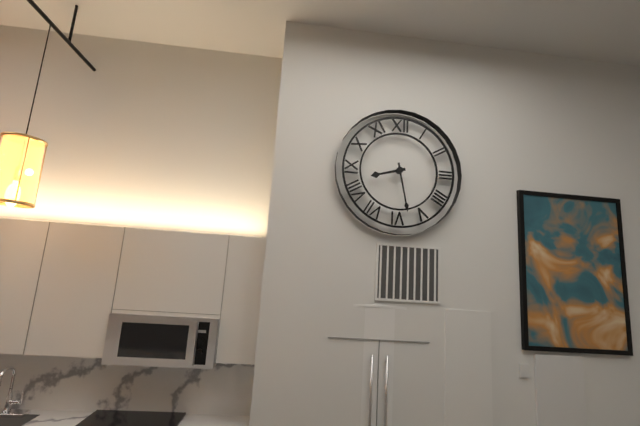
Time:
{"hour": 8, "minute": 28}
